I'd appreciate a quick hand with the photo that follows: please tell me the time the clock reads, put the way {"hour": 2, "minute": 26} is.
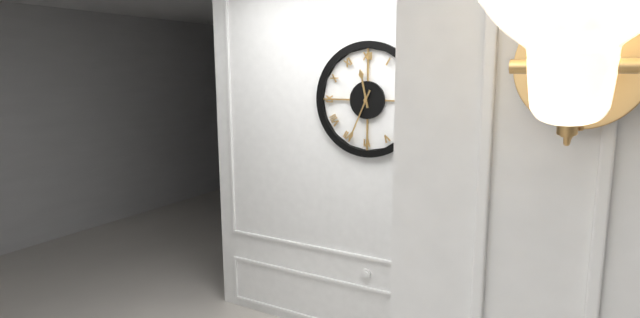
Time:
{"hour": 11, "minute": 34}
